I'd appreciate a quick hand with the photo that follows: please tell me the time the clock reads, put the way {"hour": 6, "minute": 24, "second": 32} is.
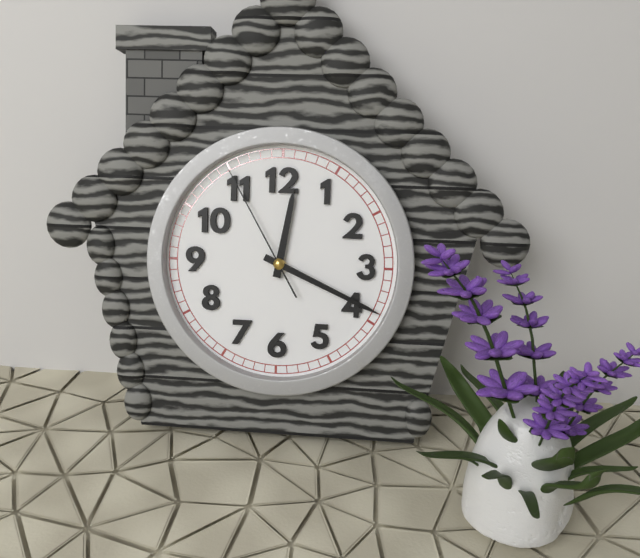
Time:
{"hour": 12, "minute": 19, "second": 55}
